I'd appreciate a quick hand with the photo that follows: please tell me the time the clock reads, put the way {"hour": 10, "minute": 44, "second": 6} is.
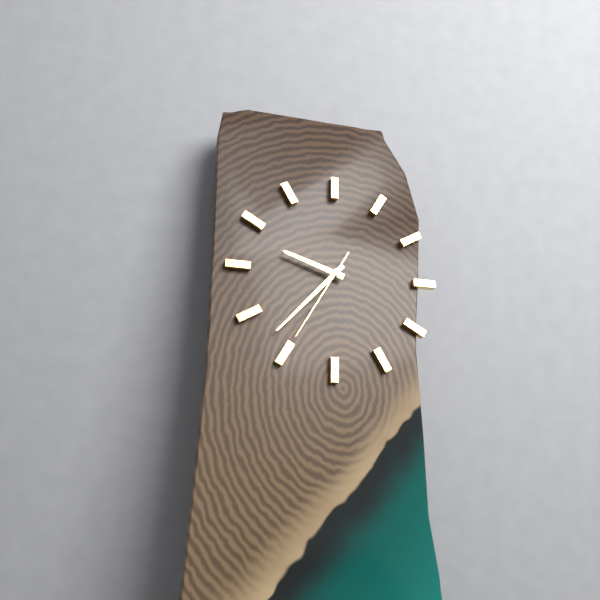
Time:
{"hour": 9, "minute": 37, "second": 35}
